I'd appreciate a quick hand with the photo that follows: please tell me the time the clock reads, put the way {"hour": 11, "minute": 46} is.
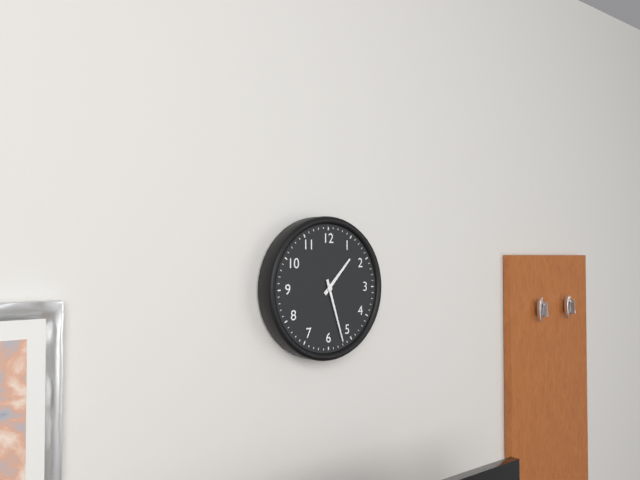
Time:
{"hour": 1, "minute": 27}
